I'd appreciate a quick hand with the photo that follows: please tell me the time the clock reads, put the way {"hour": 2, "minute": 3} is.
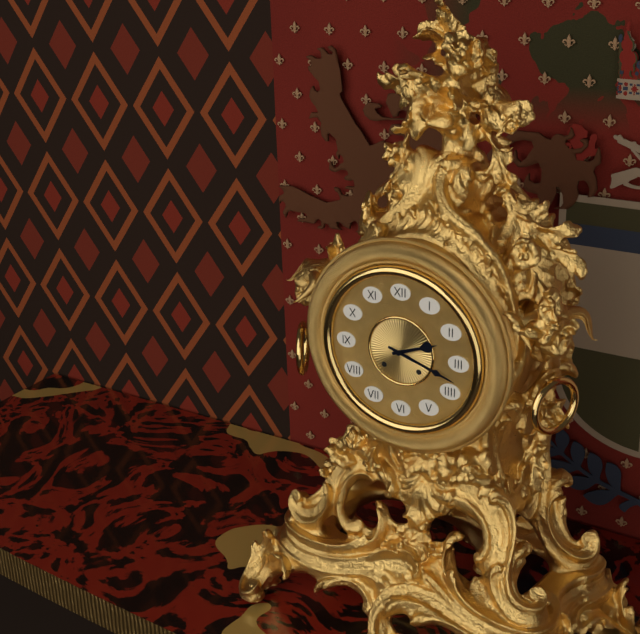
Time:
{"hour": 2, "minute": 18}
